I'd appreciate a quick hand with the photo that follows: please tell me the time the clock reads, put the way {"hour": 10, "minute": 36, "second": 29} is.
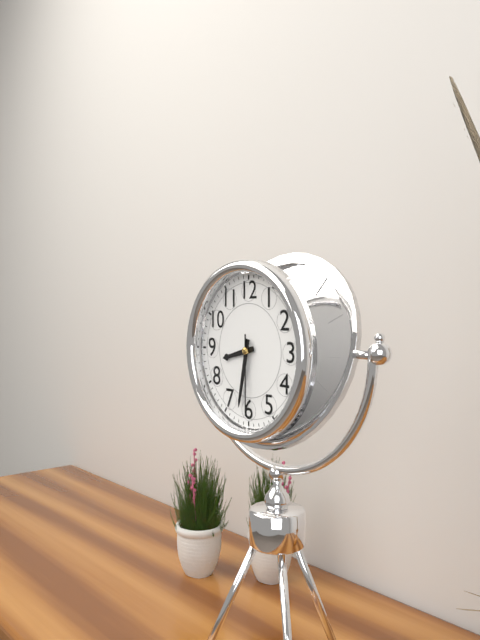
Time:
{"hour": 8, "minute": 32, "second": 30}
